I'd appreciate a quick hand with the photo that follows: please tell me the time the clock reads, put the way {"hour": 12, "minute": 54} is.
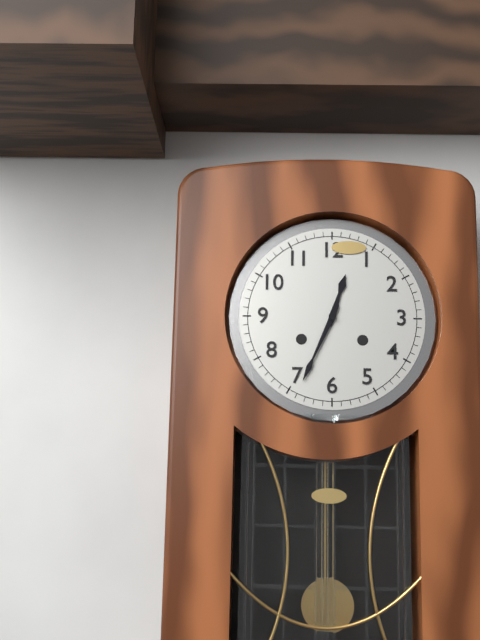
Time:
{"hour": 12, "minute": 34}
